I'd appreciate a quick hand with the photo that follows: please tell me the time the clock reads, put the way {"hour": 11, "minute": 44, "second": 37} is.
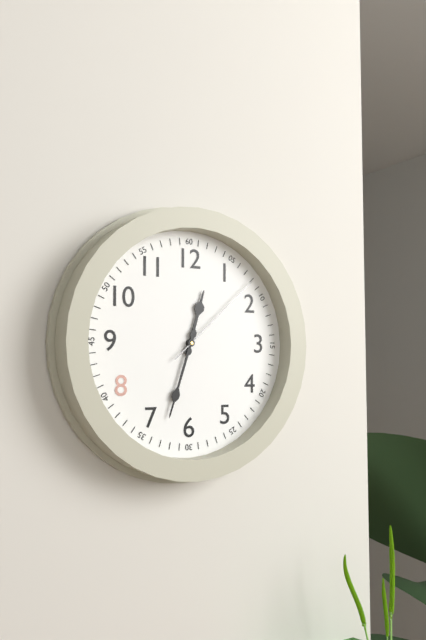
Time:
{"hour": 12, "minute": 33, "second": 8}
